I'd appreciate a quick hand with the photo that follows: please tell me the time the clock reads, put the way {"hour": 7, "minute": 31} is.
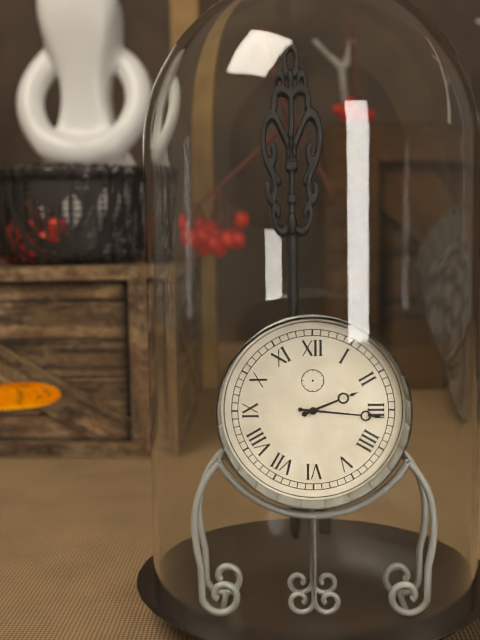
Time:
{"hour": 2, "minute": 16}
